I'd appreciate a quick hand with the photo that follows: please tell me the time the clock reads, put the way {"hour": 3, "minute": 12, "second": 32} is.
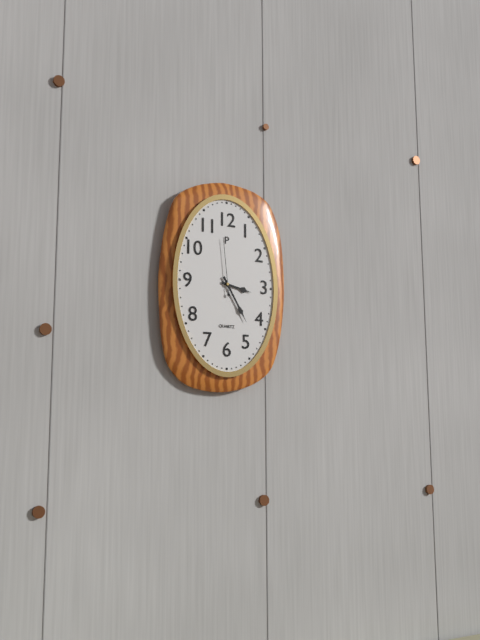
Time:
{"hour": 3, "minute": 25, "second": 59}
